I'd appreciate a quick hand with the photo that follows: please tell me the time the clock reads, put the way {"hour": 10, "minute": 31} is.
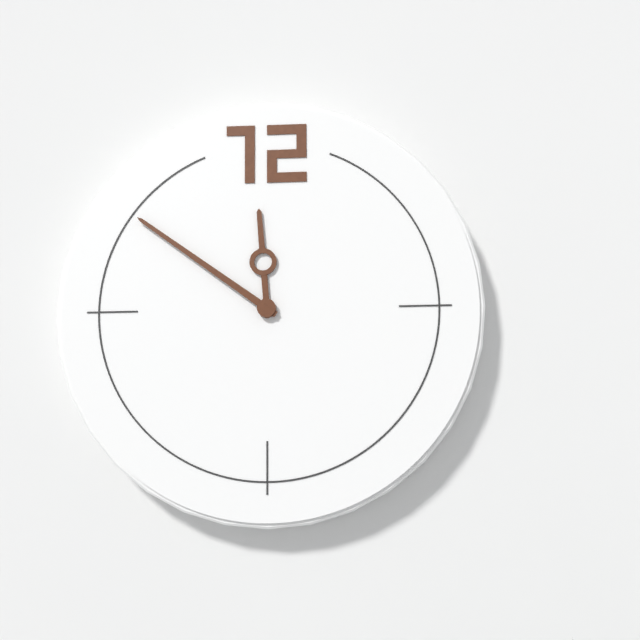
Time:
{"hour": 11, "minute": 51}
